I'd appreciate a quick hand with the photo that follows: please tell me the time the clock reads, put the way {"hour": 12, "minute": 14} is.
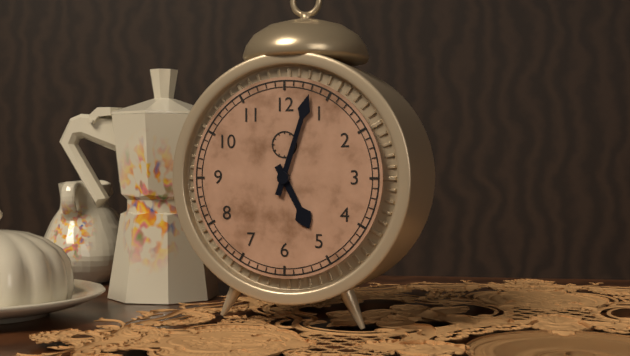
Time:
{"hour": 5, "minute": 3}
